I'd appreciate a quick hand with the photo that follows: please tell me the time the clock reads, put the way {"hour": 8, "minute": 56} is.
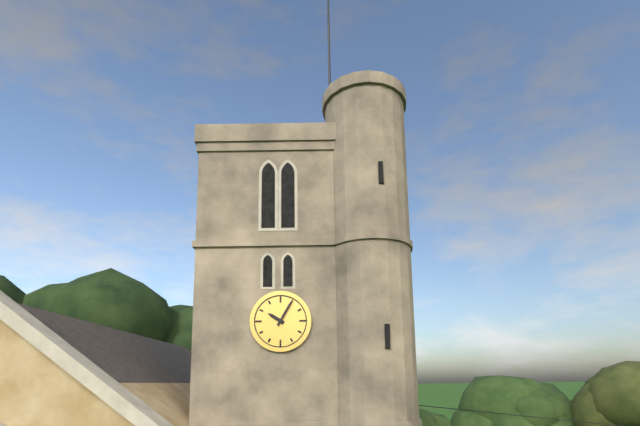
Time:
{"hour": 10, "minute": 5}
